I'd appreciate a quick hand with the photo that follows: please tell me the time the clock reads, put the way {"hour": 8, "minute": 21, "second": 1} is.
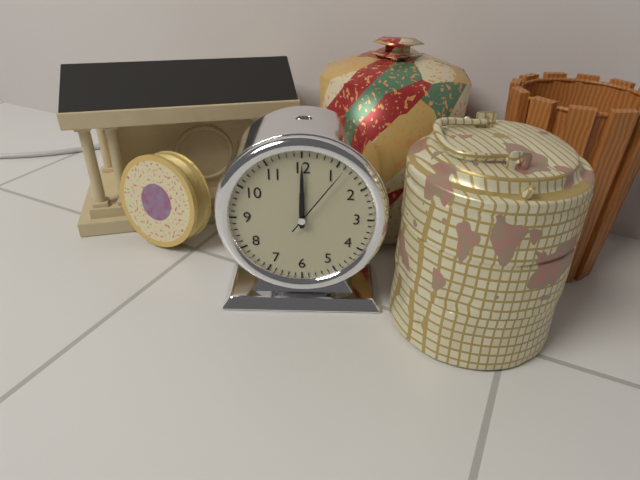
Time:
{"hour": 12, "minute": 0, "second": 6}
